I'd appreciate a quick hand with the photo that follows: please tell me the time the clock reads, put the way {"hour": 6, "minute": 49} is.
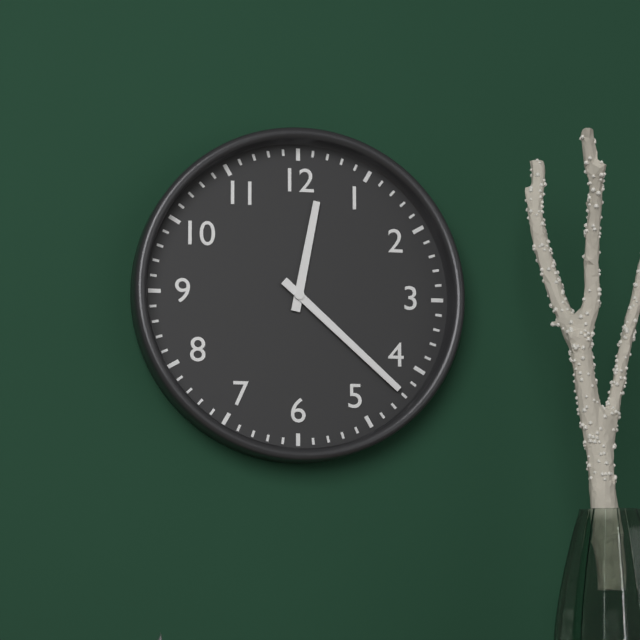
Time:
{"hour": 12, "minute": 22}
